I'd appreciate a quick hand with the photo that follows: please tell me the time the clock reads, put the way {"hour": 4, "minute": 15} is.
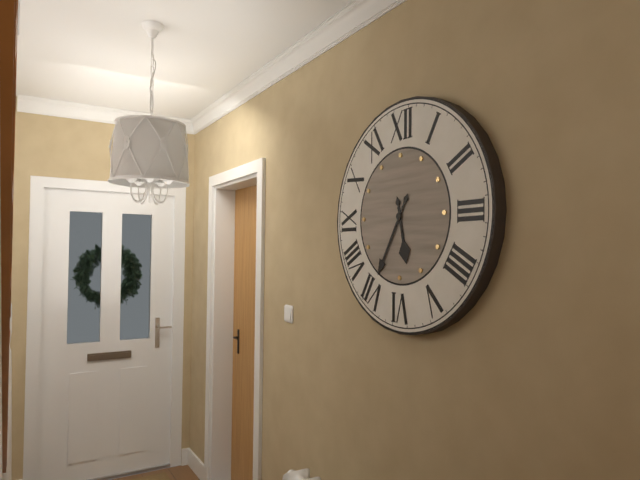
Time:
{"hour": 5, "minute": 35}
